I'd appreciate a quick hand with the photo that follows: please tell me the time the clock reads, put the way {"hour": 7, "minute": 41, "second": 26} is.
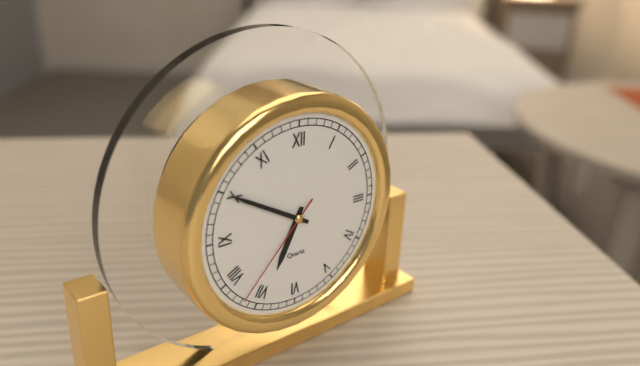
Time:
{"hour": 6, "minute": 50, "second": 37}
